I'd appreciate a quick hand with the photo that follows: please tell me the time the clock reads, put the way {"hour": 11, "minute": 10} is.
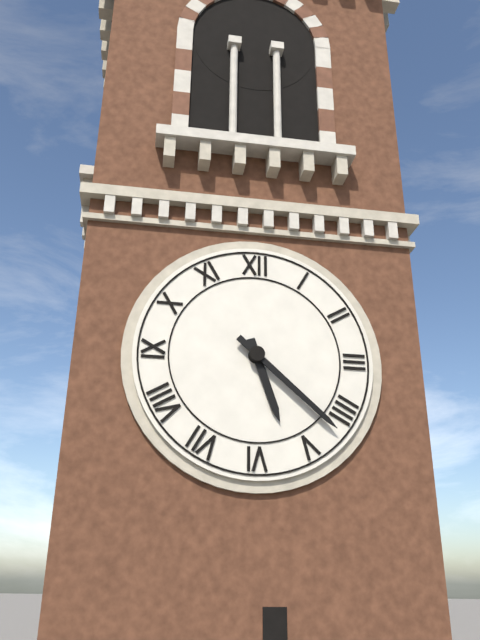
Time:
{"hour": 5, "minute": 22}
